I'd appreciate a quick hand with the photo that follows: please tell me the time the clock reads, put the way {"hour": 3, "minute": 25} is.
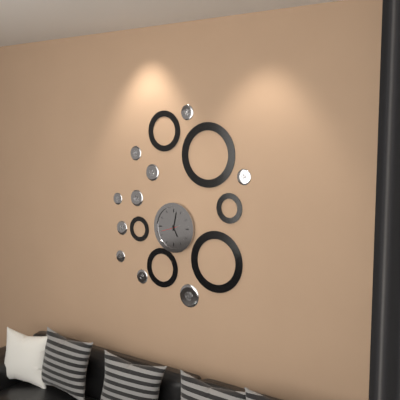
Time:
{"hour": 5, "minute": 2}
